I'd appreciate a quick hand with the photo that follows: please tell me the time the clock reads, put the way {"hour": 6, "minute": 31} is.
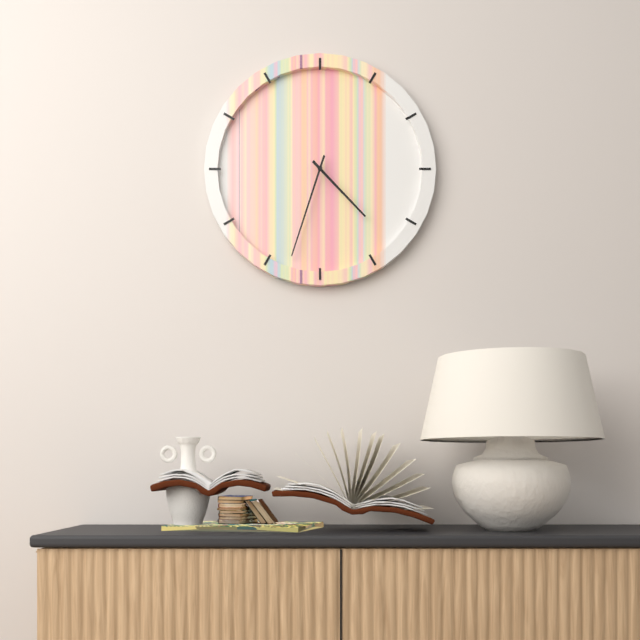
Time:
{"hour": 4, "minute": 33}
